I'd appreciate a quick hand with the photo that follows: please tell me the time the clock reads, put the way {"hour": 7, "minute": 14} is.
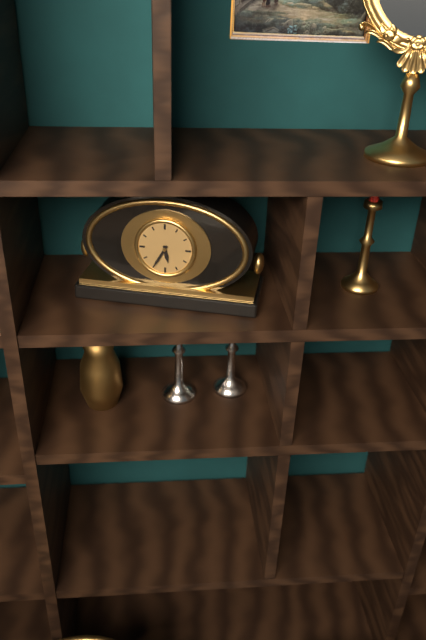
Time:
{"hour": 5, "minute": 35}
